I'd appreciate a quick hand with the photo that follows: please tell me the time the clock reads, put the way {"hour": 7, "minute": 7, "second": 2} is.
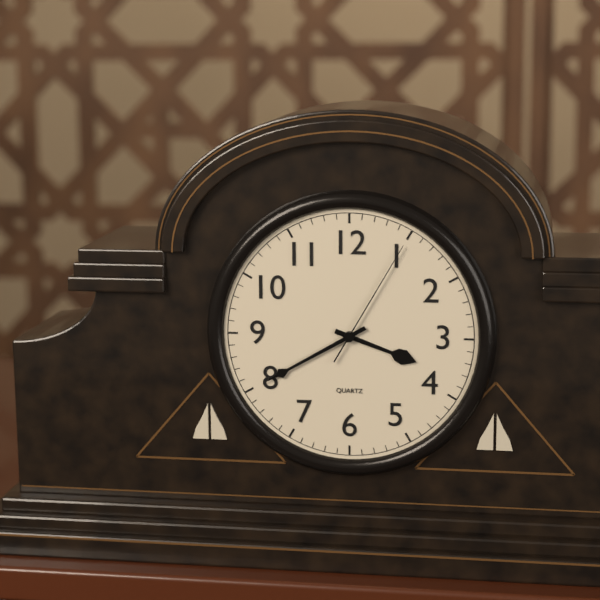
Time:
{"hour": 3, "minute": 40, "second": 5}
